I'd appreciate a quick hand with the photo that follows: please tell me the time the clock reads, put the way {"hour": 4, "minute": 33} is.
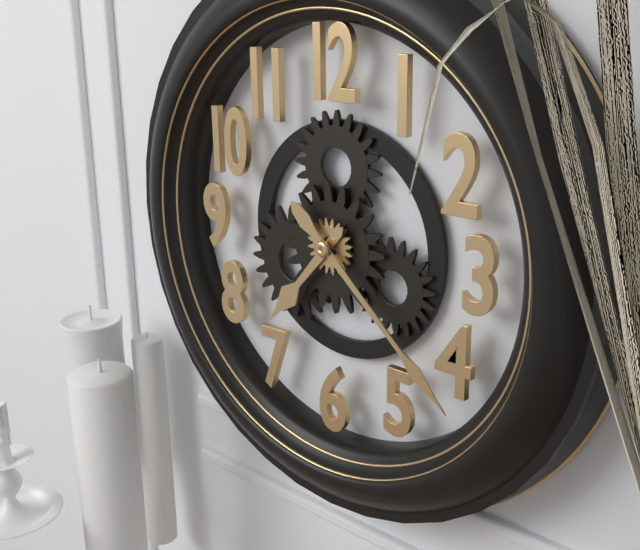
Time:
{"hour": 7, "minute": 22}
